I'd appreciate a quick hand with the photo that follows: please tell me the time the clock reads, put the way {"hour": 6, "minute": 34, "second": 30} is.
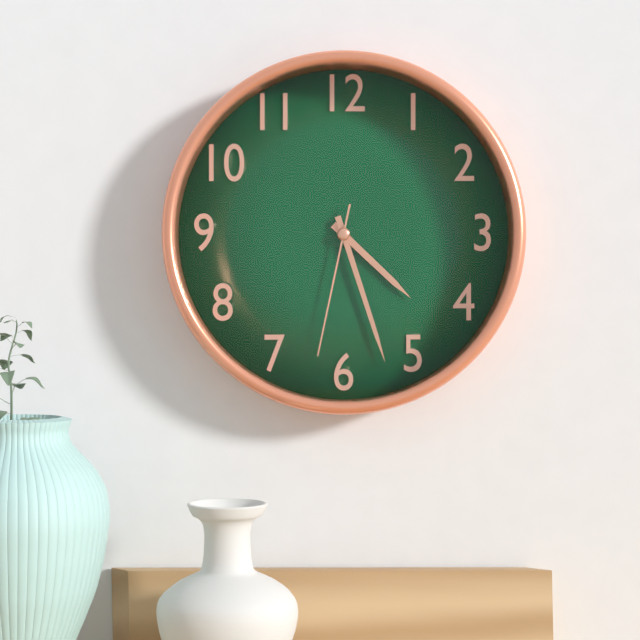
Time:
{"hour": 4, "minute": 27, "second": 32}
